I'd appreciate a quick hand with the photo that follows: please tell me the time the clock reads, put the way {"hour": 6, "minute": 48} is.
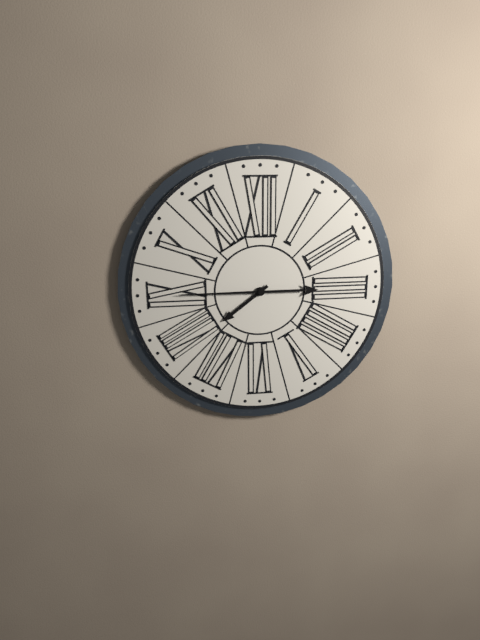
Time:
{"hour": 7, "minute": 45}
